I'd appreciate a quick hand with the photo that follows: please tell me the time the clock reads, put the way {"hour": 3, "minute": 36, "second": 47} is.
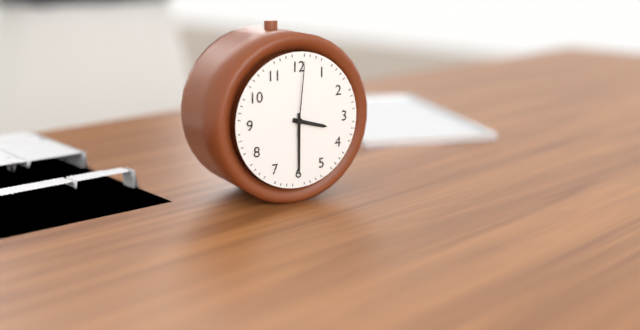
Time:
{"hour": 3, "minute": 30, "second": 1}
